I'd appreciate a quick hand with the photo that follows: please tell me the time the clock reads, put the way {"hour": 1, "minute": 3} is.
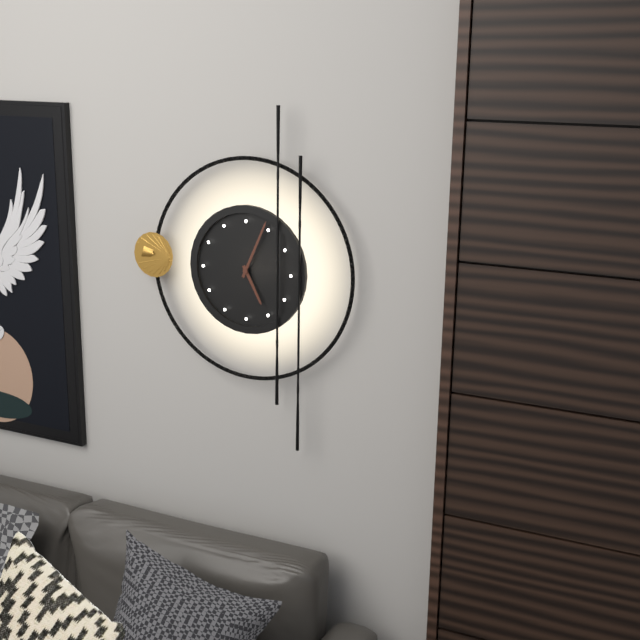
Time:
{"hour": 5, "minute": 4}
